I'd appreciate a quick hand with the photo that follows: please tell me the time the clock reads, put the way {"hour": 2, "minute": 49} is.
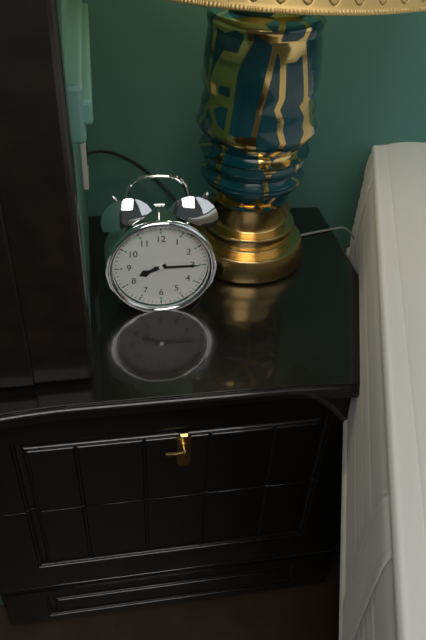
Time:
{"hour": 8, "minute": 15}
